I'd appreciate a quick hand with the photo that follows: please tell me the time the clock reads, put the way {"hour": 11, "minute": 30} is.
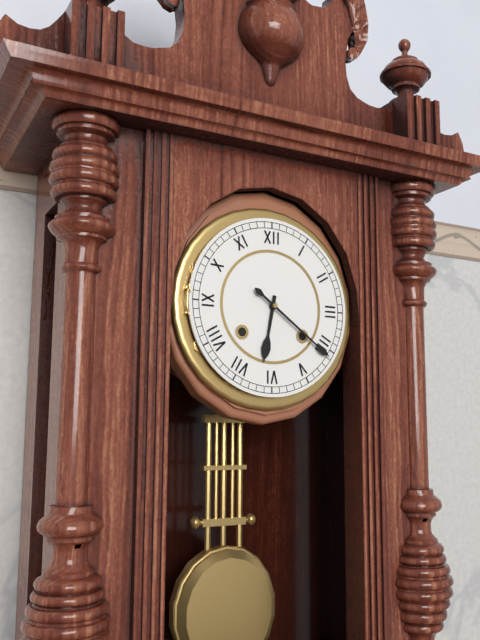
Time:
{"hour": 6, "minute": 21}
